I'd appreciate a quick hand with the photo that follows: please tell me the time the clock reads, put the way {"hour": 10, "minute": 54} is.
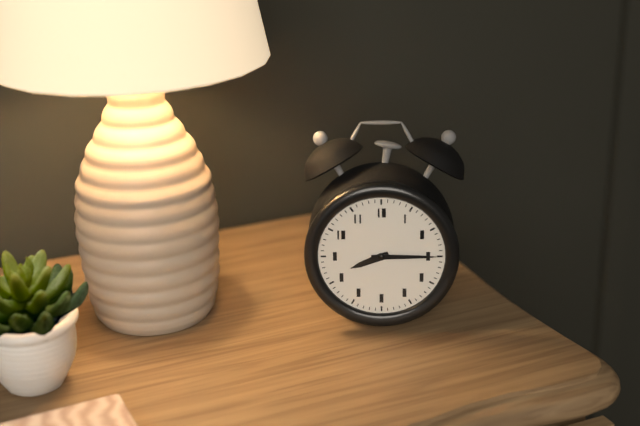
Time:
{"hour": 8, "minute": 15}
